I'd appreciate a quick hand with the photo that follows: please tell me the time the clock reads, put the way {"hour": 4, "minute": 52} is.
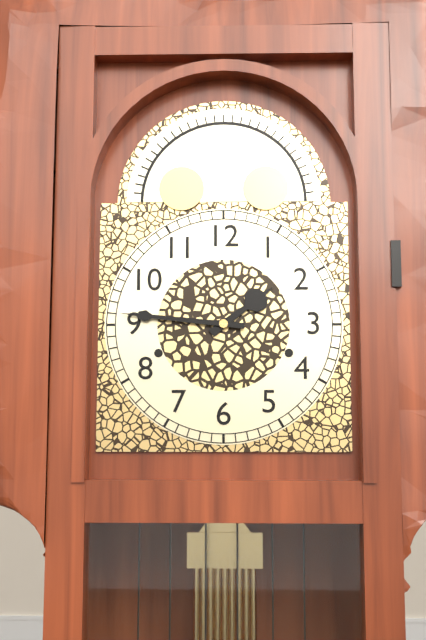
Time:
{"hour": 1, "minute": 46}
